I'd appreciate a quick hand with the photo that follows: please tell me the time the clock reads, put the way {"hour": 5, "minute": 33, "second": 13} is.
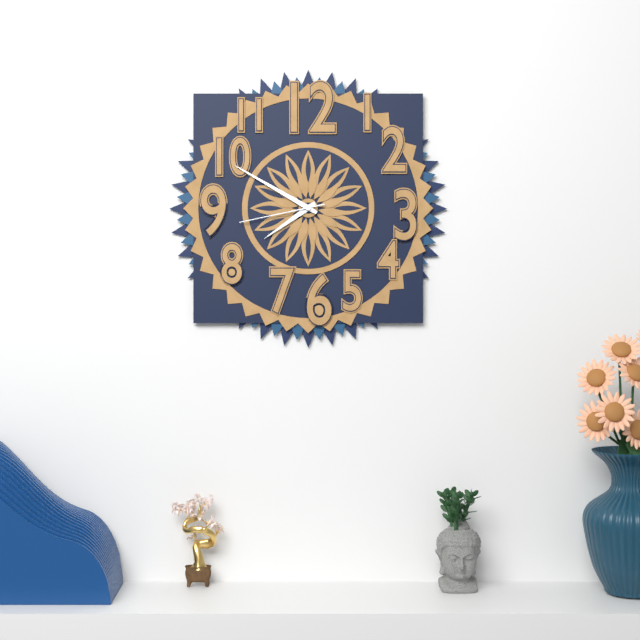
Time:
{"hour": 7, "minute": 50, "second": 43}
